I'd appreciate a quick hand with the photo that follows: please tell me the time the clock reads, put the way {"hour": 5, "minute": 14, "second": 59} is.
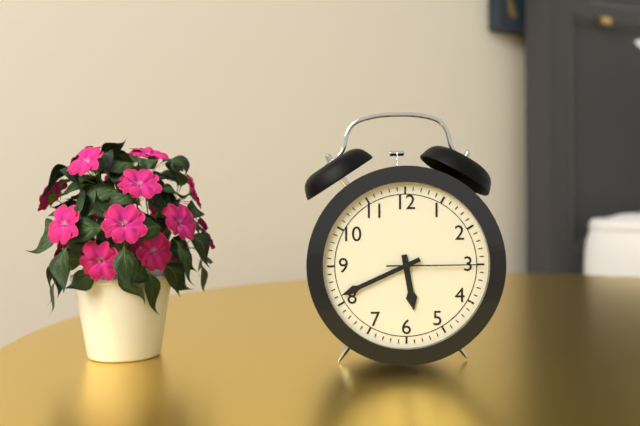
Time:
{"hour": 5, "minute": 41, "second": 15}
